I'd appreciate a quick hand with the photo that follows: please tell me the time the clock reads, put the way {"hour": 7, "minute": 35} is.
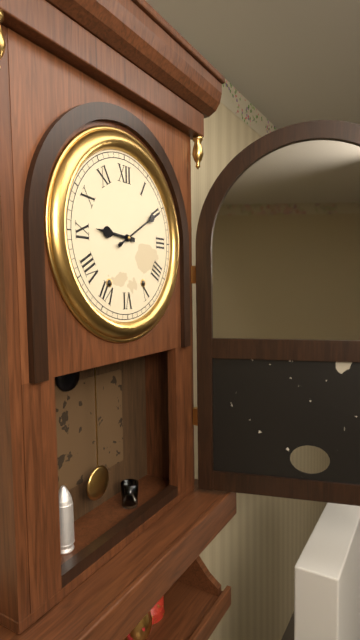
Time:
{"hour": 9, "minute": 10}
